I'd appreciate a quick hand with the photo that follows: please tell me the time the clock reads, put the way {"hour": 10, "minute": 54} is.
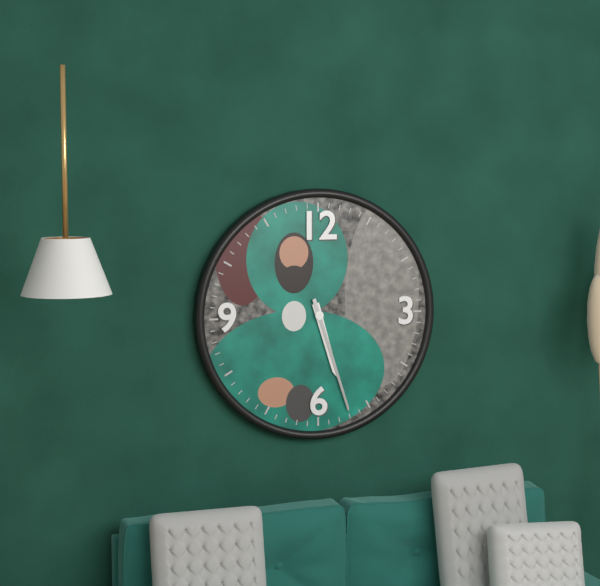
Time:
{"hour": 5, "minute": 27}
